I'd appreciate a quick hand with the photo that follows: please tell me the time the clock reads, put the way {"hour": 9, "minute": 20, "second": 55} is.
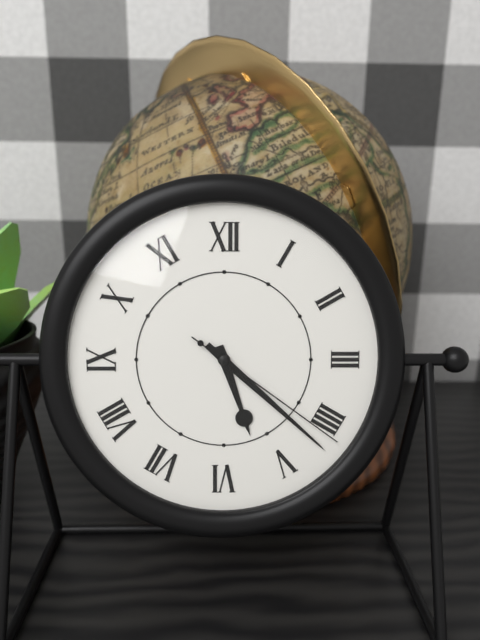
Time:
{"hour": 5, "minute": 22, "second": 21}
